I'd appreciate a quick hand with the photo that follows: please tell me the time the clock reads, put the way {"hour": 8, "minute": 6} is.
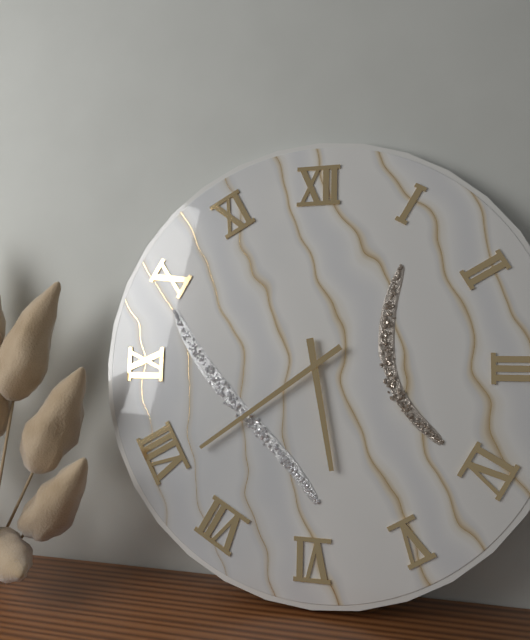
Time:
{"hour": 5, "minute": 39}
